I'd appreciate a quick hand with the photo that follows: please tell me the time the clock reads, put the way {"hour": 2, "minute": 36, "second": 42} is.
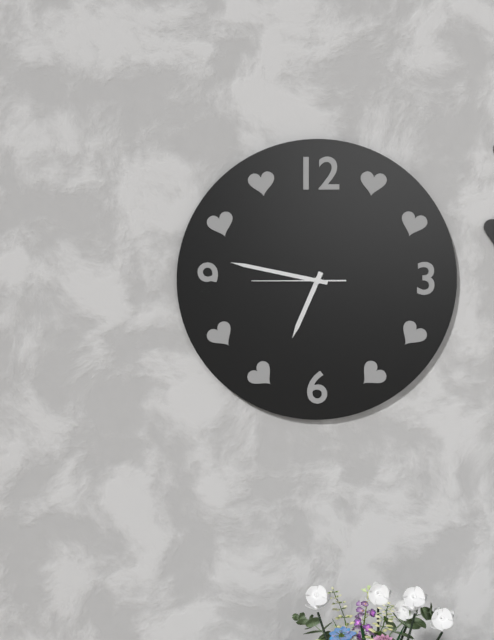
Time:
{"hour": 6, "minute": 47, "second": 45}
